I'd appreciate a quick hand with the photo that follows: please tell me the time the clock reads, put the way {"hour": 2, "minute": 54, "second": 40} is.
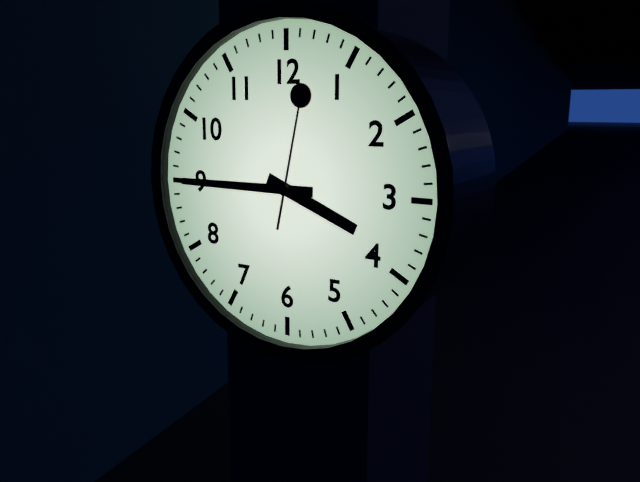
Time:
{"hour": 3, "minute": 45, "second": 2}
